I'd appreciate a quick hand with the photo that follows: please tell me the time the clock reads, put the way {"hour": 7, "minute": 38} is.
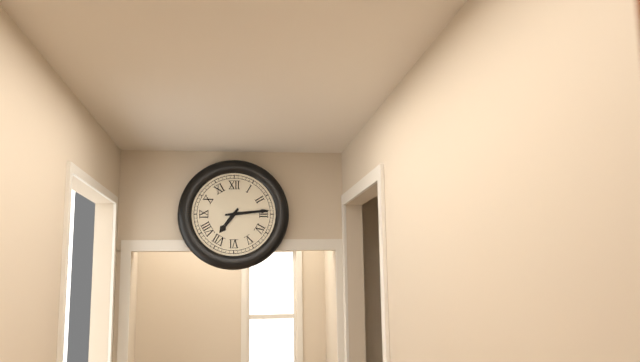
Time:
{"hour": 7, "minute": 14}
